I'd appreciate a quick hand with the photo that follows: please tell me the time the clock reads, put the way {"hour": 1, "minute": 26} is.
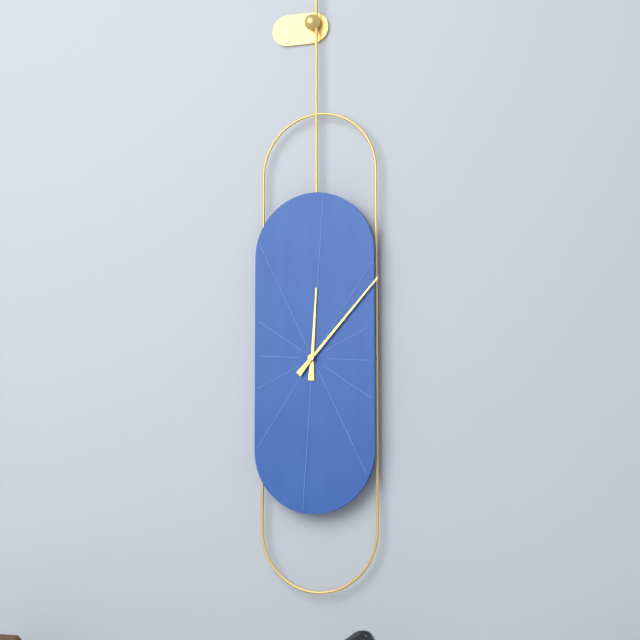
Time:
{"hour": 12, "minute": 7}
